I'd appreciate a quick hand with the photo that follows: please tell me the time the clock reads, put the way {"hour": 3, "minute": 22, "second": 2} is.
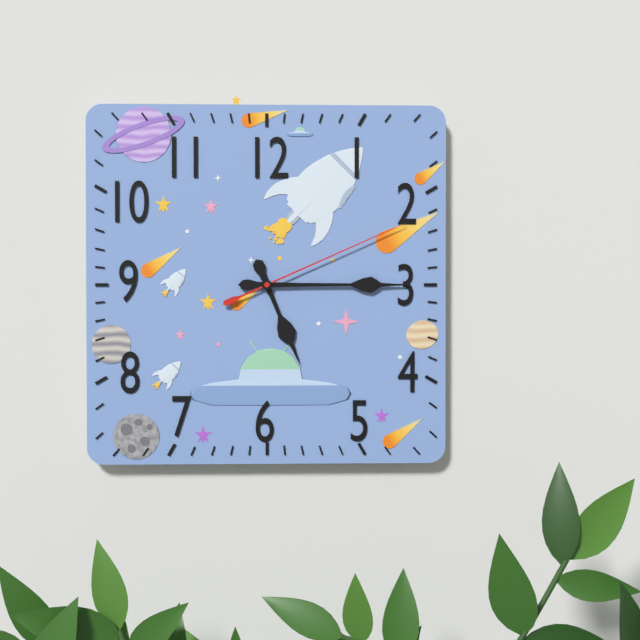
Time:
{"hour": 5, "minute": 15, "second": 11}
